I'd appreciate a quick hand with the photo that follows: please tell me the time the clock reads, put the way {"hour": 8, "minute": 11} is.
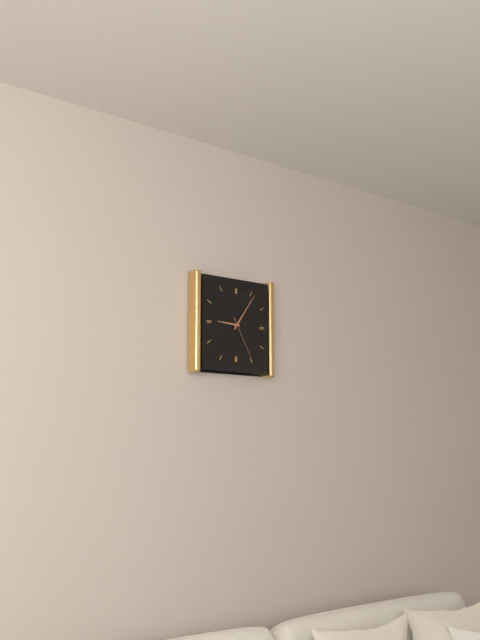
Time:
{"hour": 9, "minute": 6}
